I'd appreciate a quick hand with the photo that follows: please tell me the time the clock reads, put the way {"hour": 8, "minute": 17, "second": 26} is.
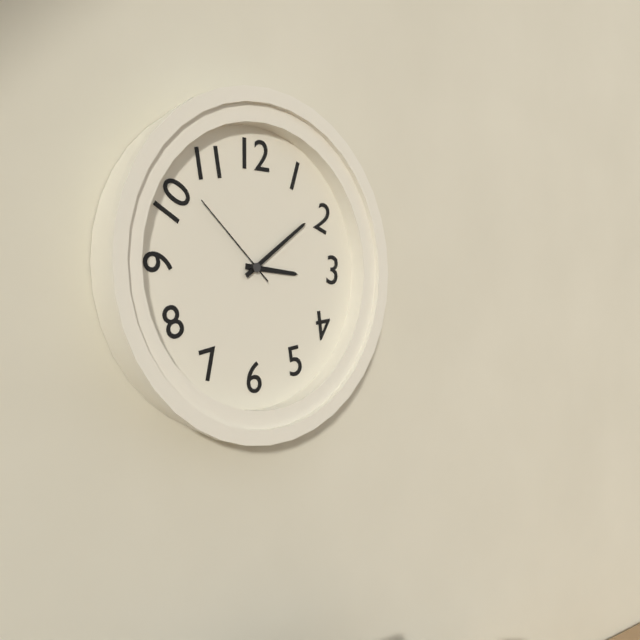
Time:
{"hour": 3, "minute": 9, "second": 52}
